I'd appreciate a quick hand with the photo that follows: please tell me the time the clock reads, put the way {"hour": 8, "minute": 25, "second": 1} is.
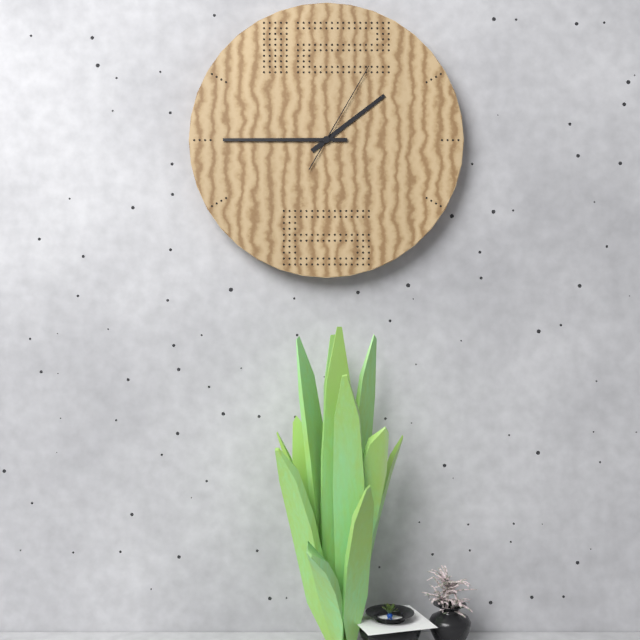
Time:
{"hour": 1, "minute": 45, "second": 5}
